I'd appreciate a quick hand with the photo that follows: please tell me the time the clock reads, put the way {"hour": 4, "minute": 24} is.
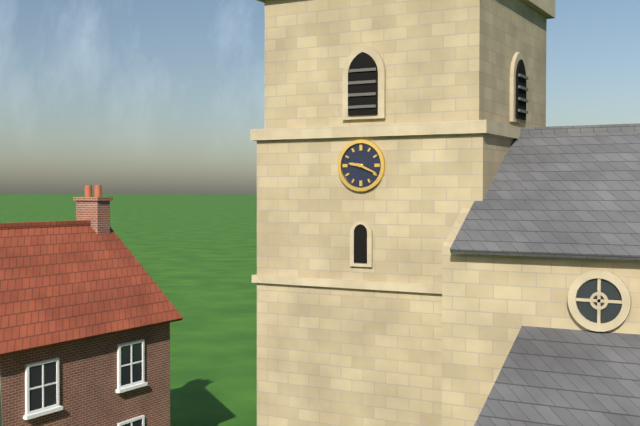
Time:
{"hour": 9, "minute": 19}
